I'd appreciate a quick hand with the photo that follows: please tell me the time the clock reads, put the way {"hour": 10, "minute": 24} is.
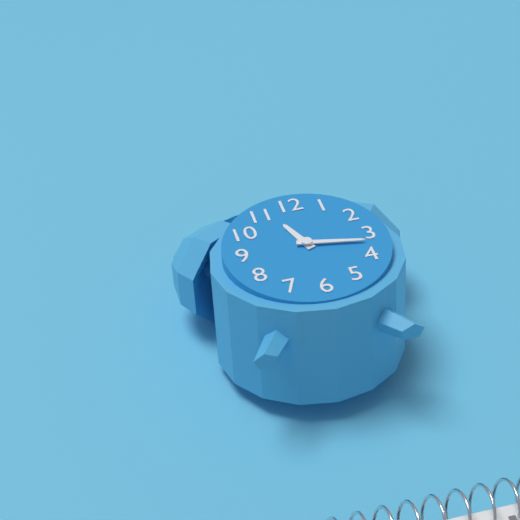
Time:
{"hour": 11, "minute": 17}
